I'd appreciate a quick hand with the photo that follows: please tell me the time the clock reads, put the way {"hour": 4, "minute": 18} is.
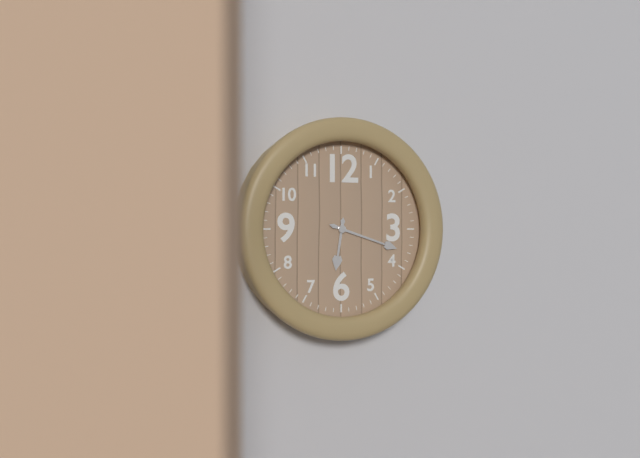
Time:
{"hour": 6, "minute": 18}
